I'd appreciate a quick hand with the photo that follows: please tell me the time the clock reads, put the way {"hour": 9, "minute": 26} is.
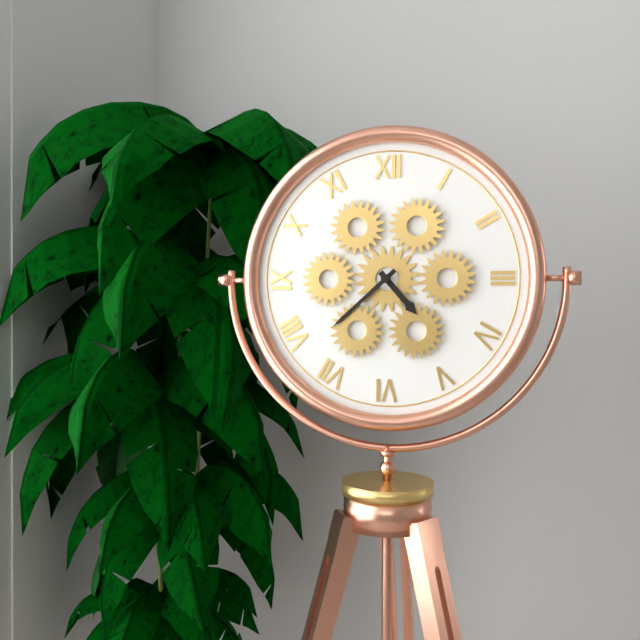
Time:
{"hour": 4, "minute": 38}
